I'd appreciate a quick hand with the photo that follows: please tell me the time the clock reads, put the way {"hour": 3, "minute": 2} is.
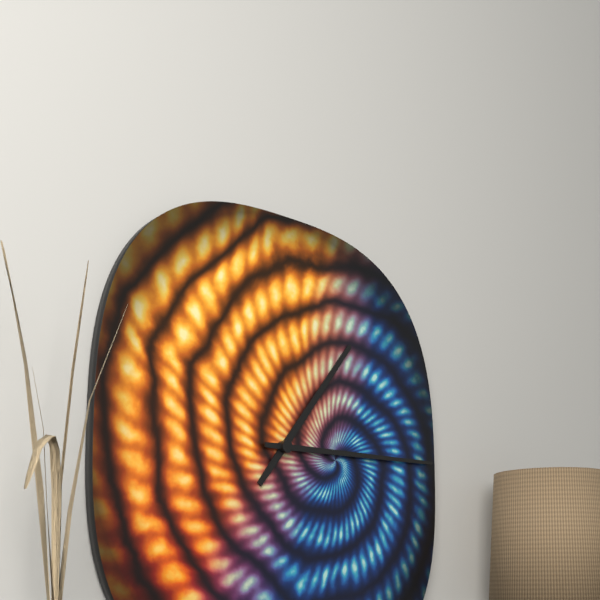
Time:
{"hour": 1, "minute": 15}
